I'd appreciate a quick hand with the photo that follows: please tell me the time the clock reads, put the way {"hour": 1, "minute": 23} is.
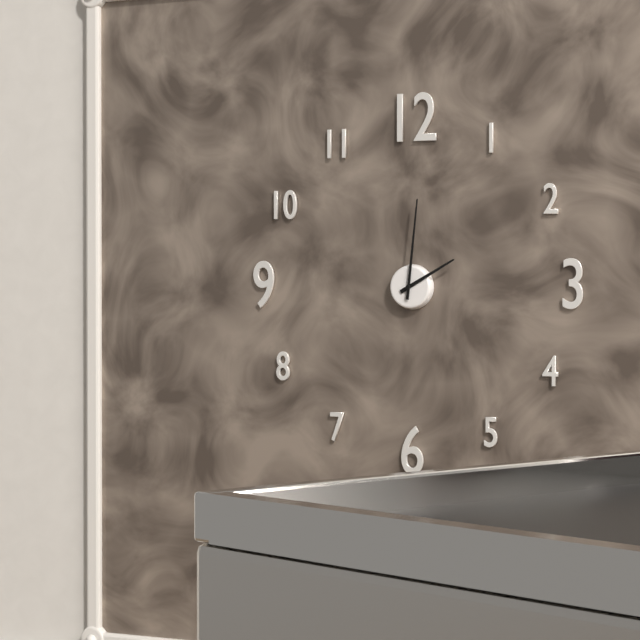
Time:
{"hour": 2, "minute": 1}
